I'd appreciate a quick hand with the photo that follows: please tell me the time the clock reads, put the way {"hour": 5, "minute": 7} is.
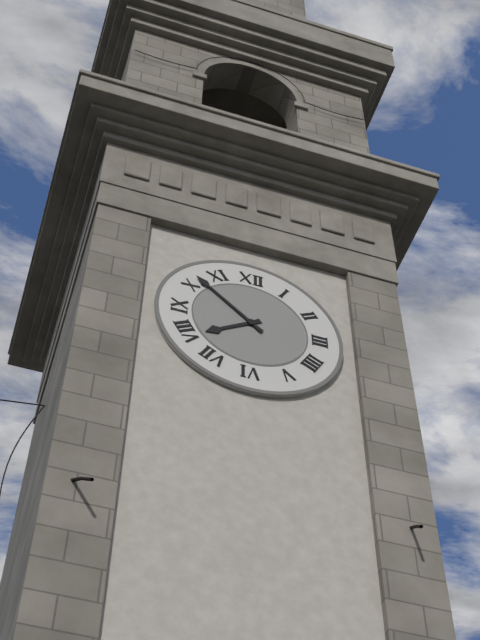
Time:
{"hour": 7, "minute": 52}
